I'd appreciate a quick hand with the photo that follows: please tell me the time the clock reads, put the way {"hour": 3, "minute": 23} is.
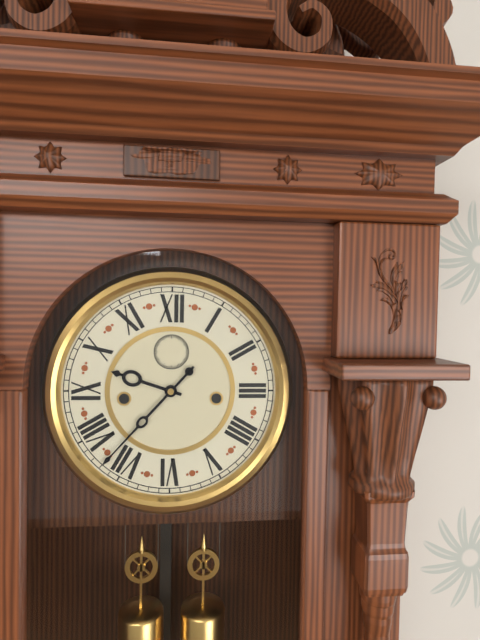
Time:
{"hour": 9, "minute": 37}
